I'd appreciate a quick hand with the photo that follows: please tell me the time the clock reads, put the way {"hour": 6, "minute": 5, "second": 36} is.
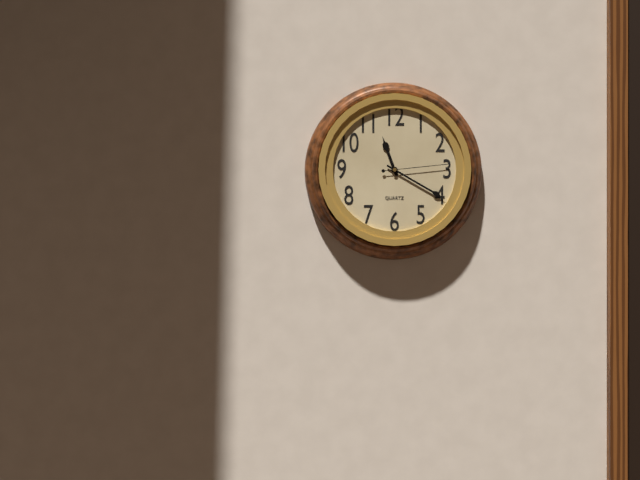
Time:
{"hour": 11, "minute": 20, "second": 14}
